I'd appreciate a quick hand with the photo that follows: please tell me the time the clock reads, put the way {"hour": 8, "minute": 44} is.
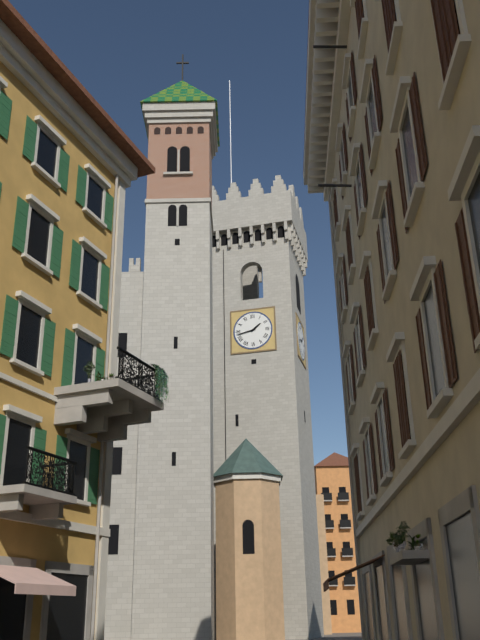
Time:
{"hour": 1, "minute": 43}
